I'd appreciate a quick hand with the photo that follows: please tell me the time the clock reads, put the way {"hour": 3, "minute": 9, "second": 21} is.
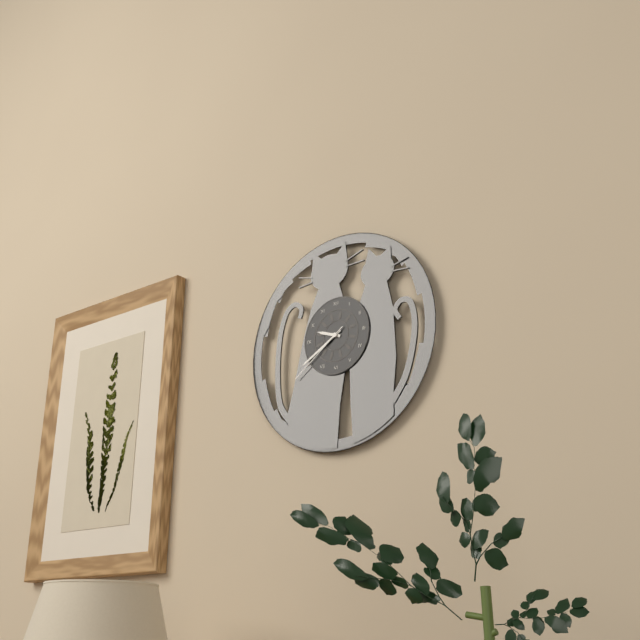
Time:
{"hour": 9, "minute": 40, "second": 39}
